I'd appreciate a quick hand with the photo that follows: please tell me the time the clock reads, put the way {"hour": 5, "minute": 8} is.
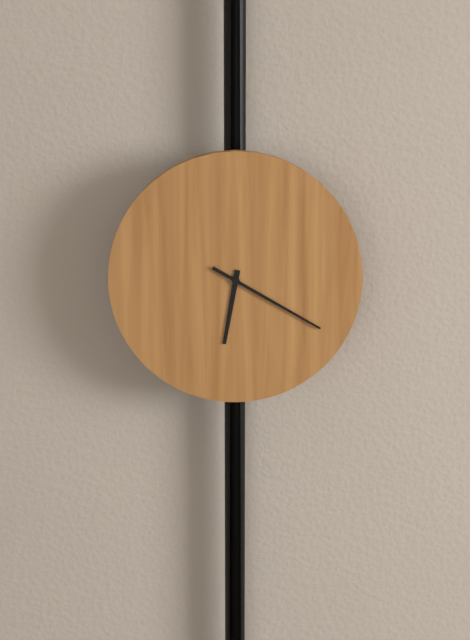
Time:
{"hour": 6, "minute": 20}
